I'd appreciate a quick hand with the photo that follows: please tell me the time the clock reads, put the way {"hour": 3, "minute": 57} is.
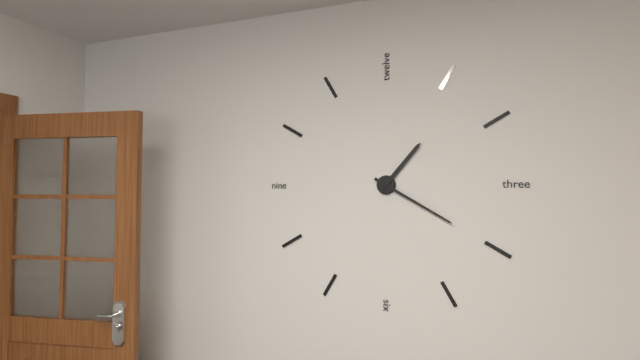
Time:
{"hour": 1, "minute": 20}
